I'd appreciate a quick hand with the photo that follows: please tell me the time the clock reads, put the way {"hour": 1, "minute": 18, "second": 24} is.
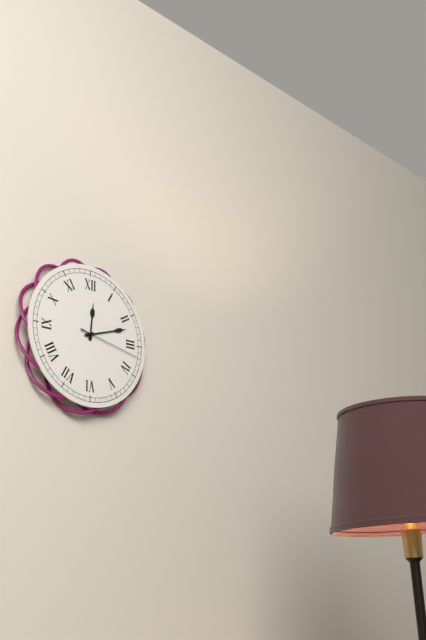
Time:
{"hour": 12, "minute": 12, "second": 17}
